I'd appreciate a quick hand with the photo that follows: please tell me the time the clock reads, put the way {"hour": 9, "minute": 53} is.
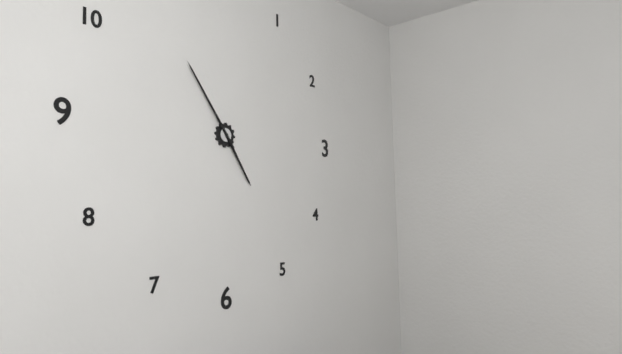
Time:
{"hour": 4, "minute": 54}
